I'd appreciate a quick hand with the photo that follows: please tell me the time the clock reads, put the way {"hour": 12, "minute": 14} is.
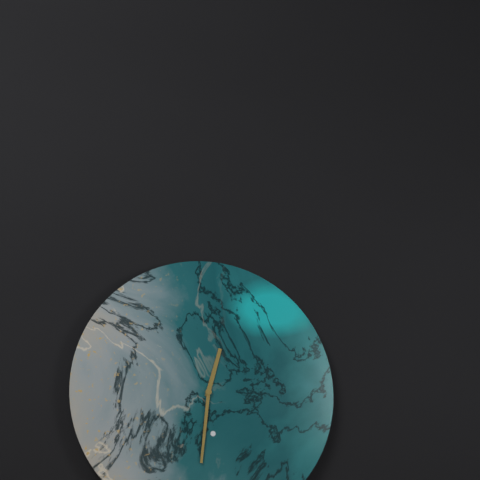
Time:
{"hour": 12, "minute": 31}
